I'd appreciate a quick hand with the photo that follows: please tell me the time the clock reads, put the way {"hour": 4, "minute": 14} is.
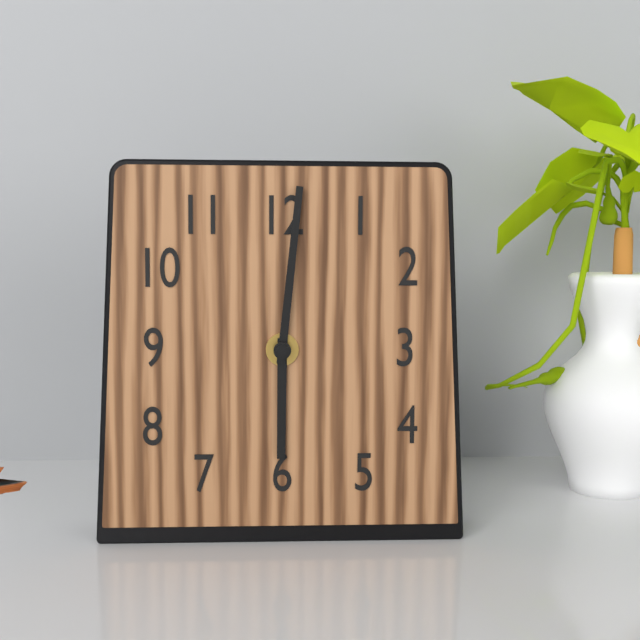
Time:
{"hour": 6, "minute": 1}
